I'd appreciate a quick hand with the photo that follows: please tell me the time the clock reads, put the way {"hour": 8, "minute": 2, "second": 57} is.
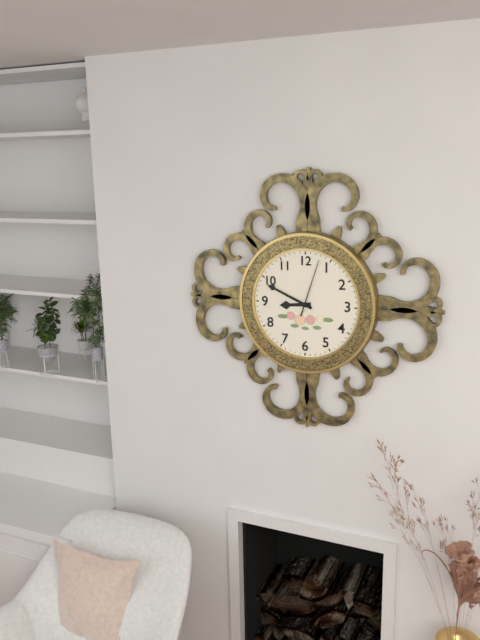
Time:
{"hour": 8, "minute": 49, "second": 3}
